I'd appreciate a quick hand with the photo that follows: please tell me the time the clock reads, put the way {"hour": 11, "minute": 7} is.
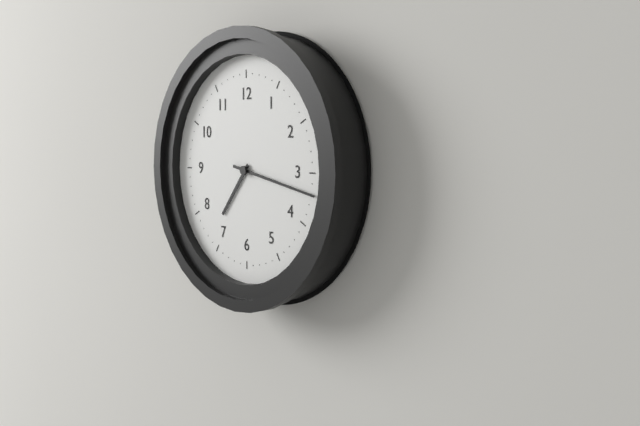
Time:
{"hour": 7, "minute": 17}
